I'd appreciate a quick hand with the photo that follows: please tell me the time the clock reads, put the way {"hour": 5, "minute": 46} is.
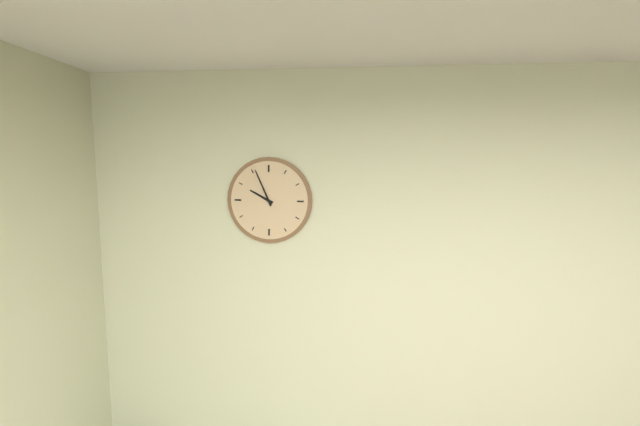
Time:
{"hour": 9, "minute": 56}
